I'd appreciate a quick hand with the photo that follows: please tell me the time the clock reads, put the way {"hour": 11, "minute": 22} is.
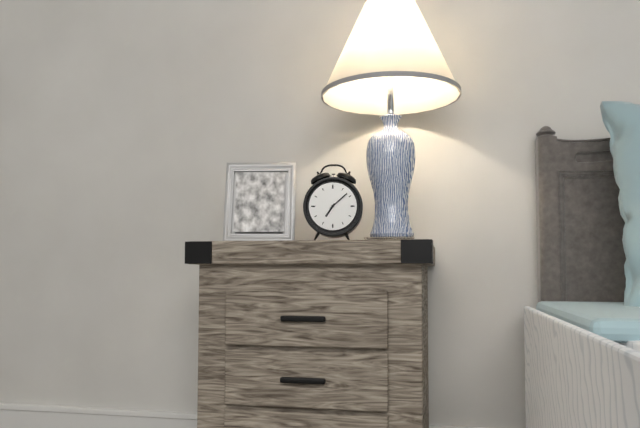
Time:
{"hour": 7, "minute": 8}
